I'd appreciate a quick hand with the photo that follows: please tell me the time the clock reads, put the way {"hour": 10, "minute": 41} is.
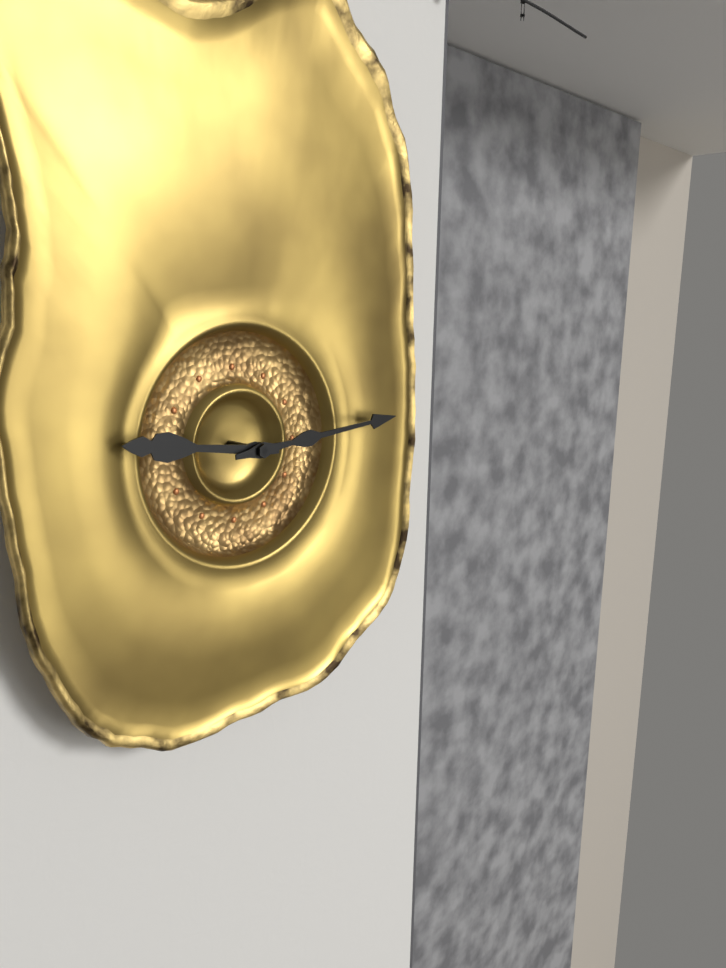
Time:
{"hour": 9, "minute": 14}
